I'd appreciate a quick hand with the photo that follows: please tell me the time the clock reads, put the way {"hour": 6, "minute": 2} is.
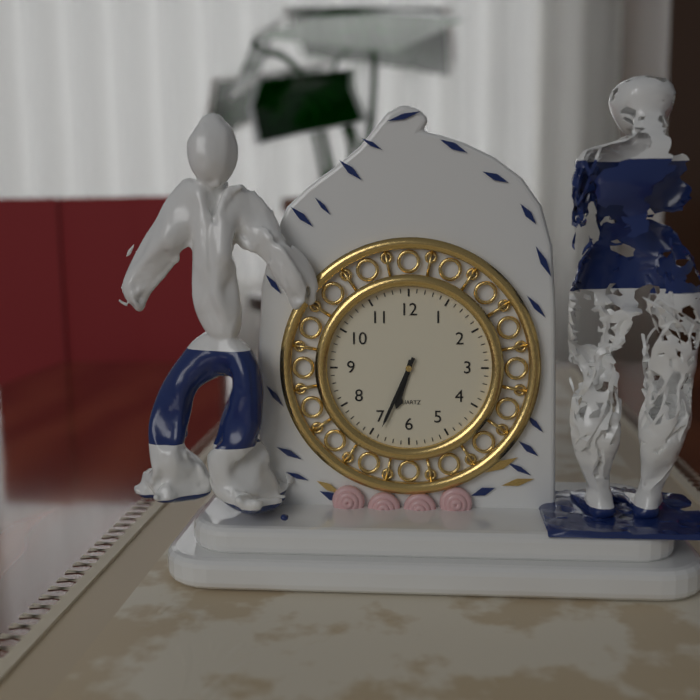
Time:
{"hour": 6, "minute": 34}
